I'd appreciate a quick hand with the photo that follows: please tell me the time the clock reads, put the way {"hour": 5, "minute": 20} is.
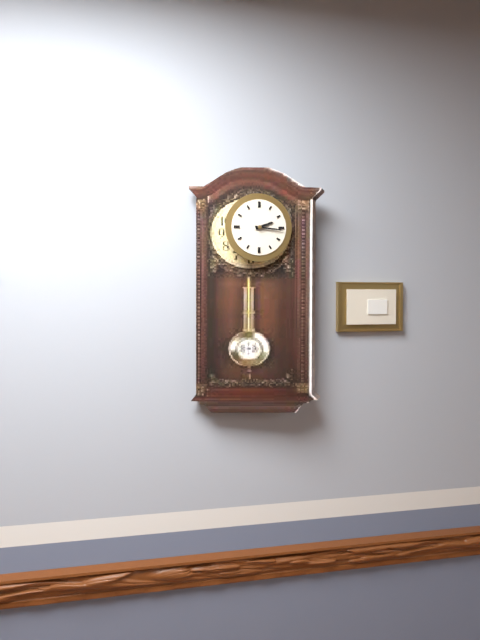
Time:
{"hour": 2, "minute": 16}
